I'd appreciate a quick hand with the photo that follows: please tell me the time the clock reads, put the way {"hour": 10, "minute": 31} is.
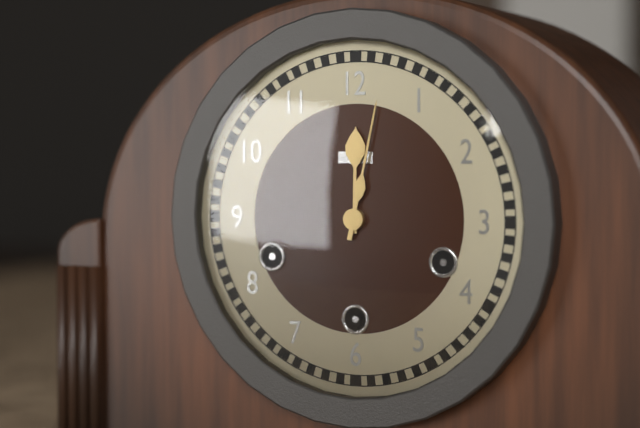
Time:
{"hour": 12, "minute": 2}
